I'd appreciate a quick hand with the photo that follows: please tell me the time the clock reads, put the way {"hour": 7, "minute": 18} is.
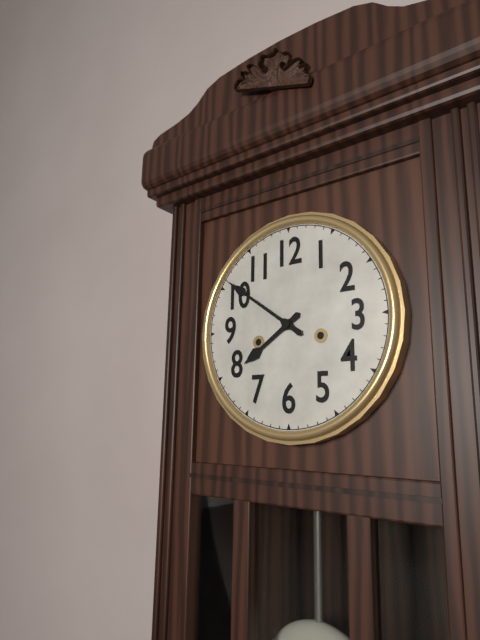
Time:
{"hour": 7, "minute": 51}
